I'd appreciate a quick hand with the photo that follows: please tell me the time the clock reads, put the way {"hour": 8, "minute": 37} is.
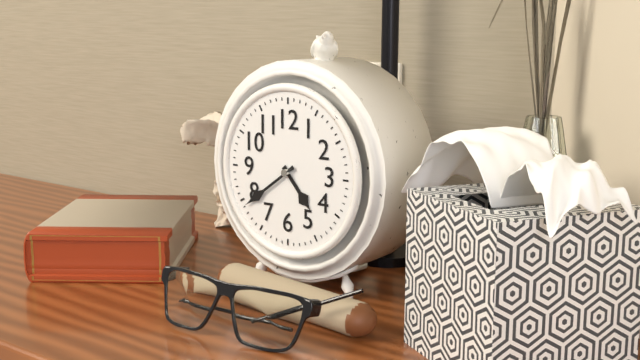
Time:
{"hour": 4, "minute": 39}
